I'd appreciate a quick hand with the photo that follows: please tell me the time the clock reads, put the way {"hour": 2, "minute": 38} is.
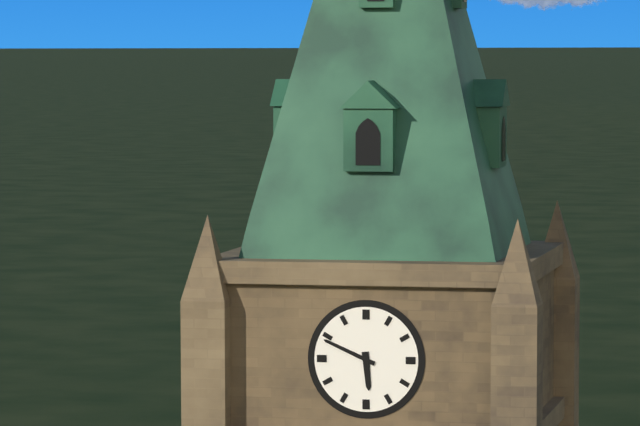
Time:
{"hour": 5, "minute": 49}
